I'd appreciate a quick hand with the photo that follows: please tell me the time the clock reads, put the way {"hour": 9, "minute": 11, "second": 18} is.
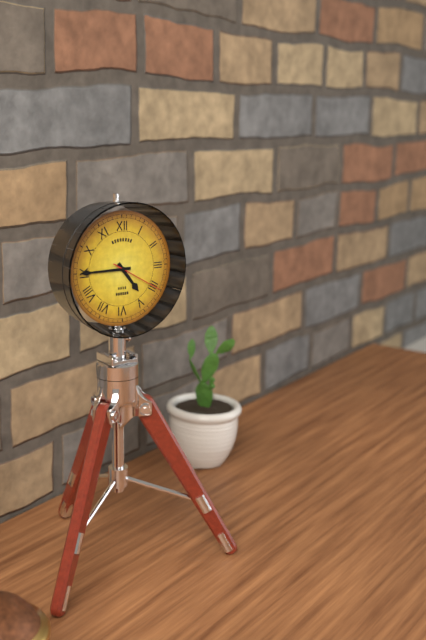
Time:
{"hour": 4, "minute": 45, "second": 20}
